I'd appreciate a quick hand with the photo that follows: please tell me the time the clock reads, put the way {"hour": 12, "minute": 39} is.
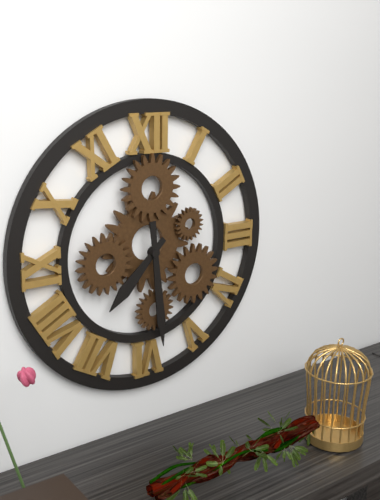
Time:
{"hour": 7, "minute": 29}
